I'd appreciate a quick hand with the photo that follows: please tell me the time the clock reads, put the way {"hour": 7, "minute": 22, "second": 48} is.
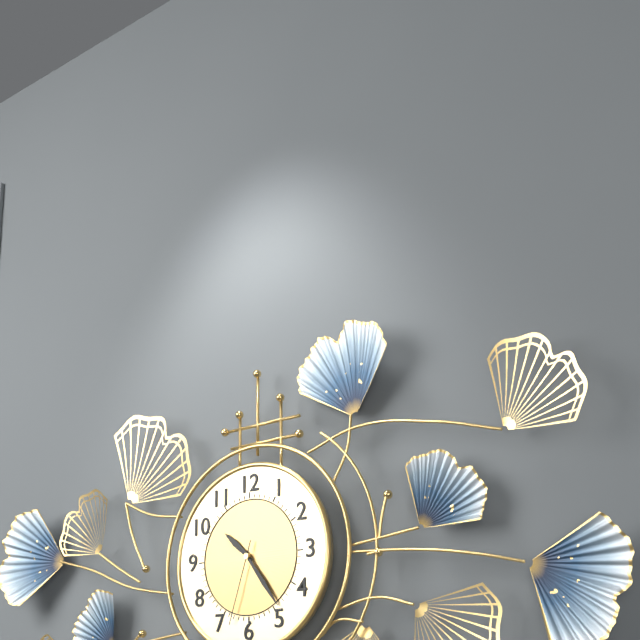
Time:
{"hour": 10, "minute": 24, "second": 33}
